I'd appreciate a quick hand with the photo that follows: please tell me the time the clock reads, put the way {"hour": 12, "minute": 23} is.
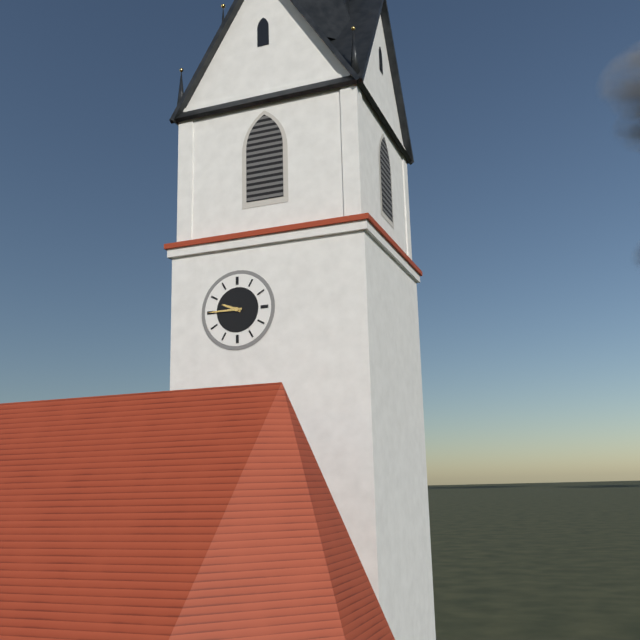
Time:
{"hour": 9, "minute": 45}
